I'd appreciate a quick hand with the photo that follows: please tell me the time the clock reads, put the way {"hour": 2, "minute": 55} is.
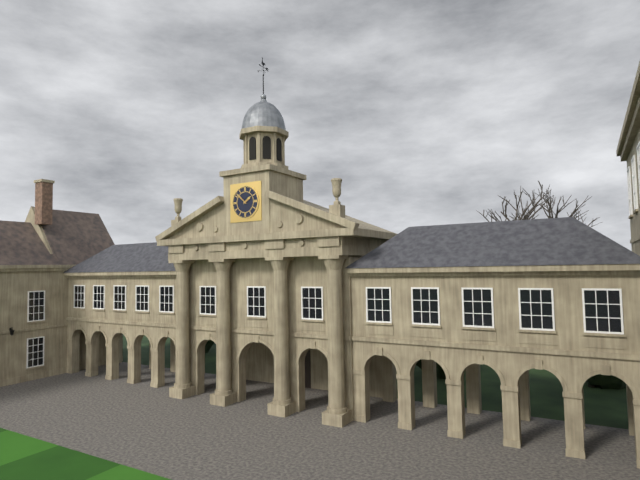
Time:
{"hour": 1, "minute": 52}
